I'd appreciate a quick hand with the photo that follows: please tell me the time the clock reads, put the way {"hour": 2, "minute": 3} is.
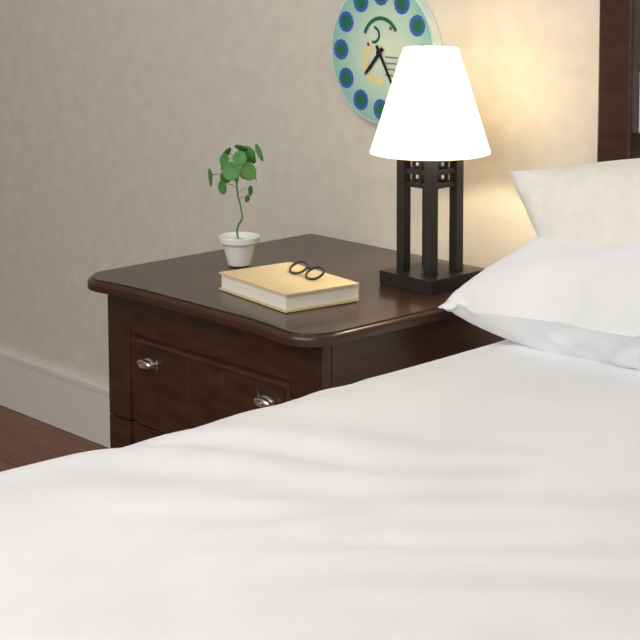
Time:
{"hour": 7, "minute": 25}
